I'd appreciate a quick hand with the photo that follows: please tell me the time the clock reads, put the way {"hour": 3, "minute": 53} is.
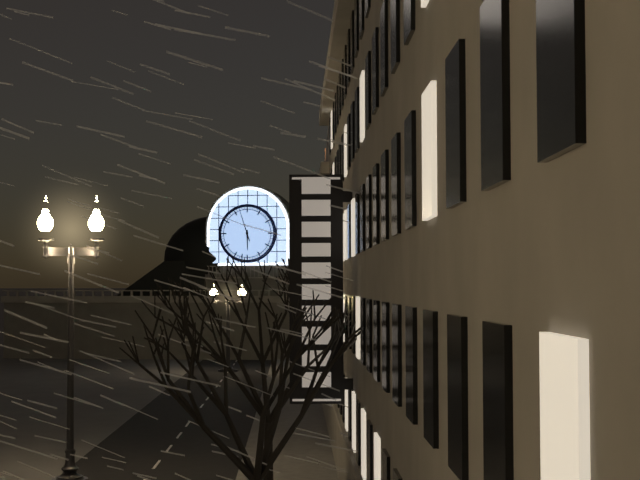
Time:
{"hour": 5, "minute": 57}
